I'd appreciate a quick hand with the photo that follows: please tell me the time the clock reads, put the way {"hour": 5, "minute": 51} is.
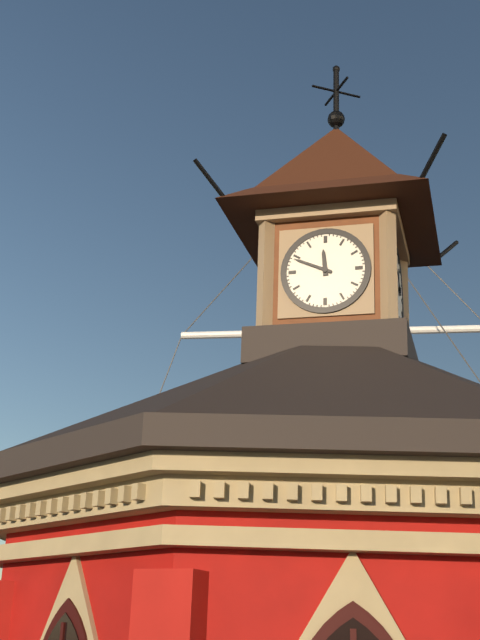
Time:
{"hour": 11, "minute": 49}
